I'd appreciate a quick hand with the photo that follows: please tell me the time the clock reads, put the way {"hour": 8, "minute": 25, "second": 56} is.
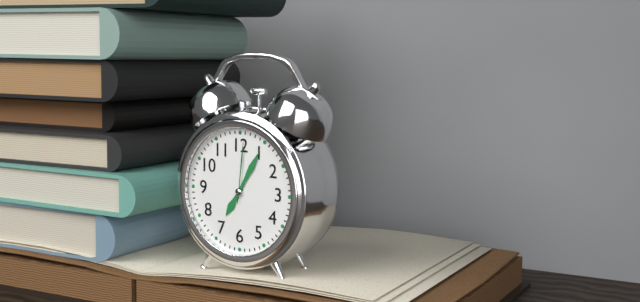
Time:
{"hour": 7, "minute": 5, "second": 1}
